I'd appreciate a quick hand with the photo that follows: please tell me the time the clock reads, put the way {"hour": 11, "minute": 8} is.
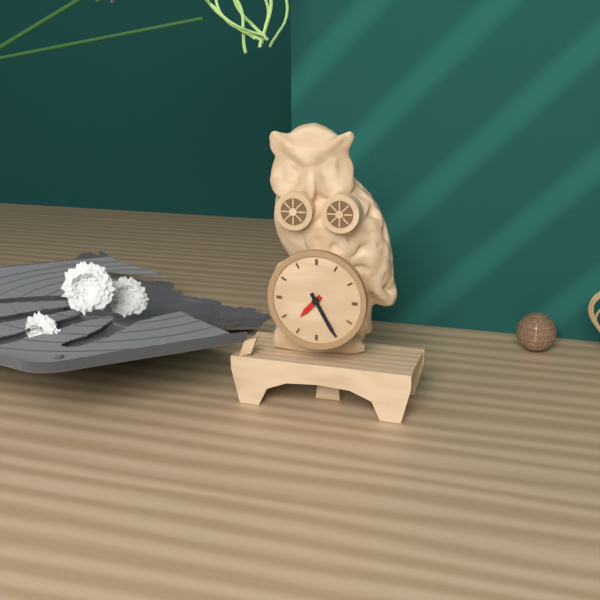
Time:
{"hour": 7, "minute": 25}
